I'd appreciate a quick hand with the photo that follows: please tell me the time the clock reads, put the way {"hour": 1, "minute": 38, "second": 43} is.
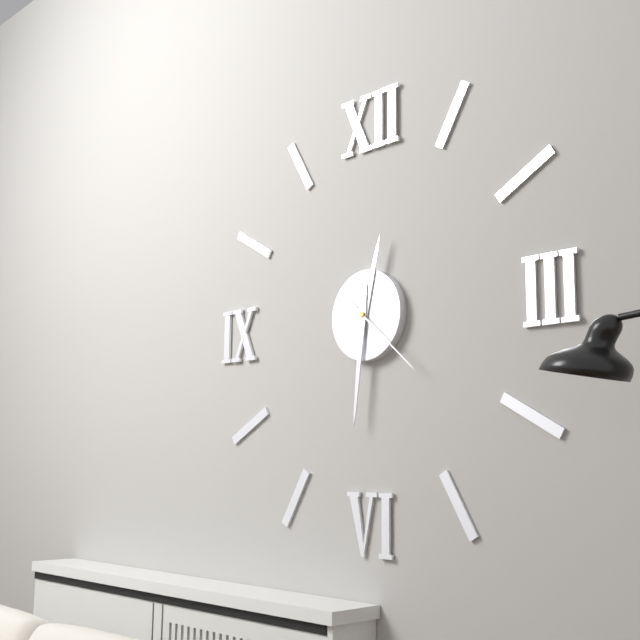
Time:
{"hour": 12, "minute": 31, "second": 22}
